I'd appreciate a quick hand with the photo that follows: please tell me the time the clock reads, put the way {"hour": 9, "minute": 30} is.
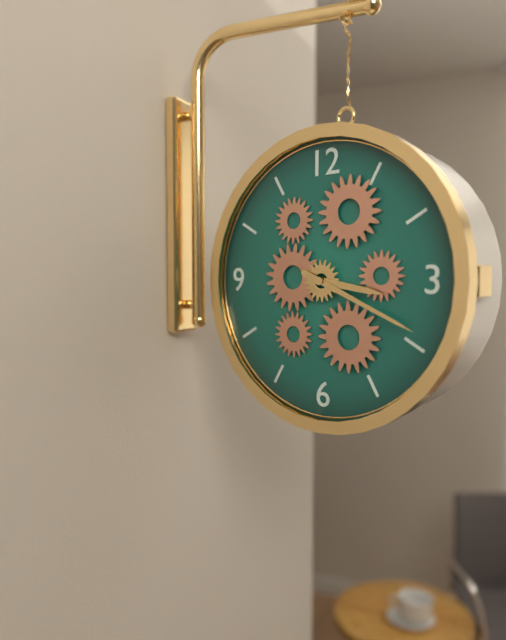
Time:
{"hour": 3, "minute": 19}
